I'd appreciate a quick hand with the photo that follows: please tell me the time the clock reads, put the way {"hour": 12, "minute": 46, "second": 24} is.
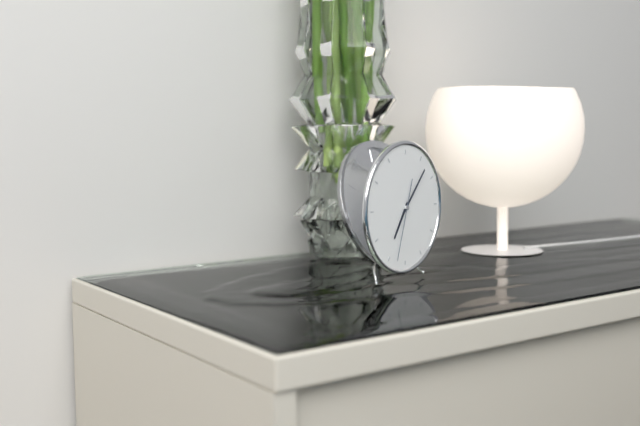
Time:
{"hour": 7, "minute": 7, "second": 33}
